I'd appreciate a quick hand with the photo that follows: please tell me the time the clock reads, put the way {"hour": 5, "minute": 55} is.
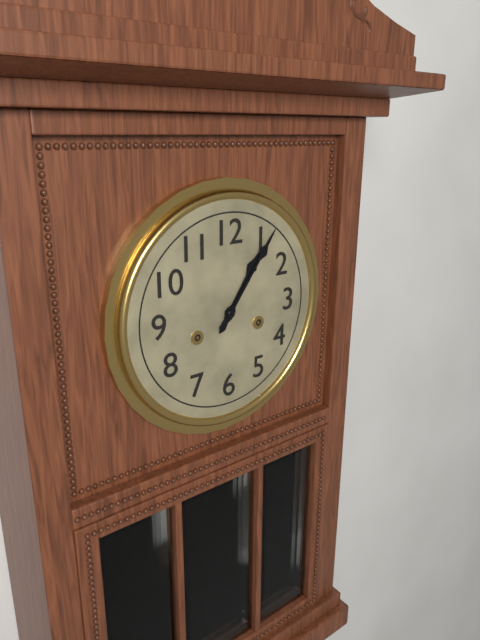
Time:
{"hour": 1, "minute": 6}
